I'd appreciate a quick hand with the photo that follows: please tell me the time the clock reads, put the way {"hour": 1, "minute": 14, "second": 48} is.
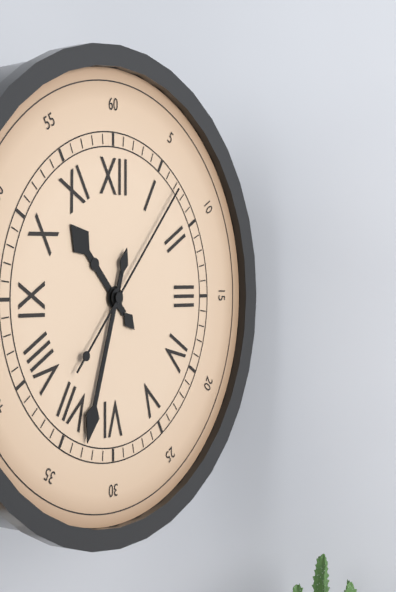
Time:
{"hour": 10, "minute": 33, "second": 7}
